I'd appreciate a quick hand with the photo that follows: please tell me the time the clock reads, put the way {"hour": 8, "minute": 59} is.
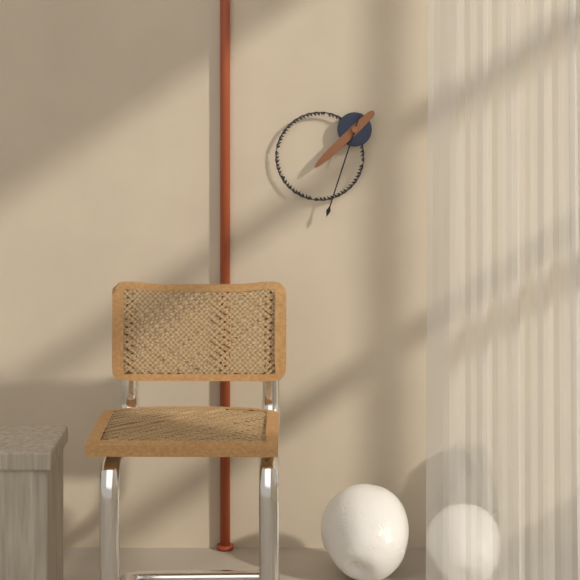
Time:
{"hour": 7, "minute": 33}
